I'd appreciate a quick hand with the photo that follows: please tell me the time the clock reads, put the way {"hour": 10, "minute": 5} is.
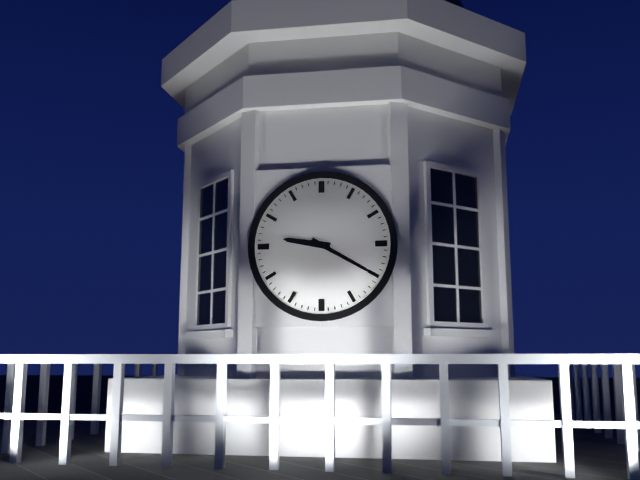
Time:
{"hour": 9, "minute": 20}
